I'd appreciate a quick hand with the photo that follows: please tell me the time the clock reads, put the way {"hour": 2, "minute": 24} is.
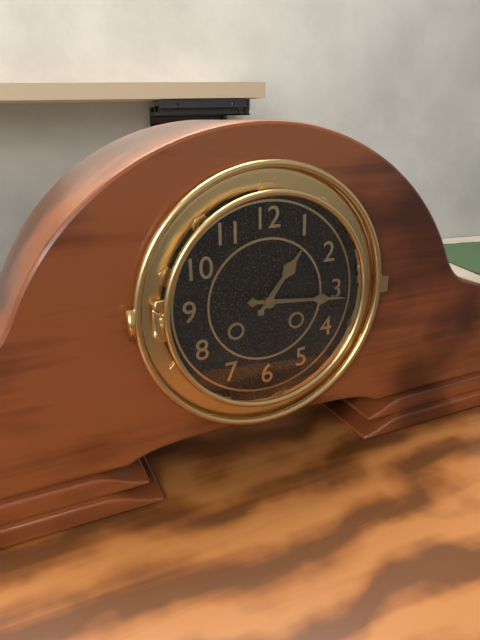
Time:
{"hour": 1, "minute": 16}
